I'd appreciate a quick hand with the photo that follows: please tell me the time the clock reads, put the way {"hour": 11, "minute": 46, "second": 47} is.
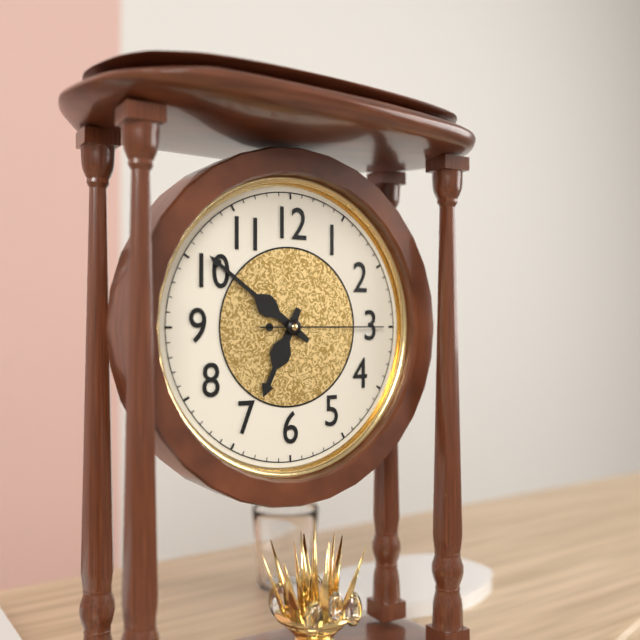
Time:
{"hour": 6, "minute": 51, "second": 15}
